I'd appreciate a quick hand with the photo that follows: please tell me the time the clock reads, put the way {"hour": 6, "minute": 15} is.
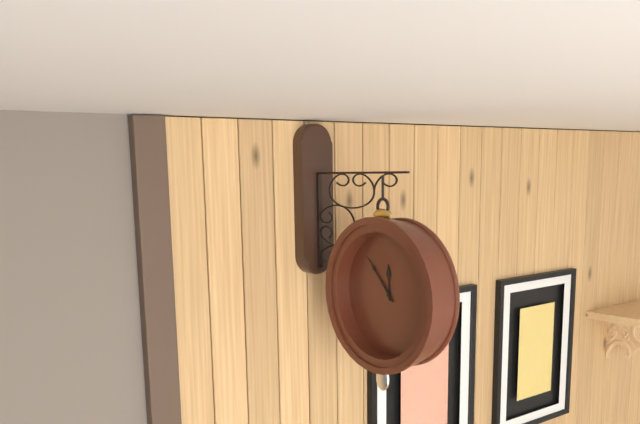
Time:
{"hour": 11, "minute": 53}
